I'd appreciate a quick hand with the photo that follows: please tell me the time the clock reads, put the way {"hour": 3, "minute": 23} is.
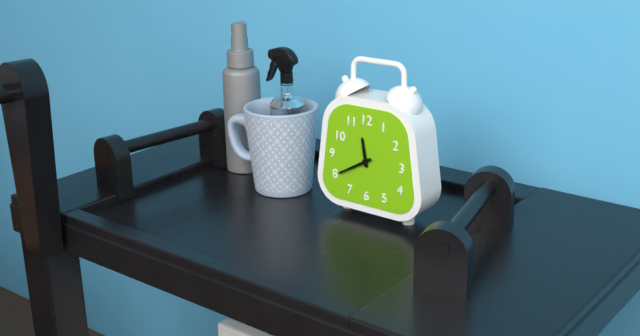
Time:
{"hour": 11, "minute": 40}
